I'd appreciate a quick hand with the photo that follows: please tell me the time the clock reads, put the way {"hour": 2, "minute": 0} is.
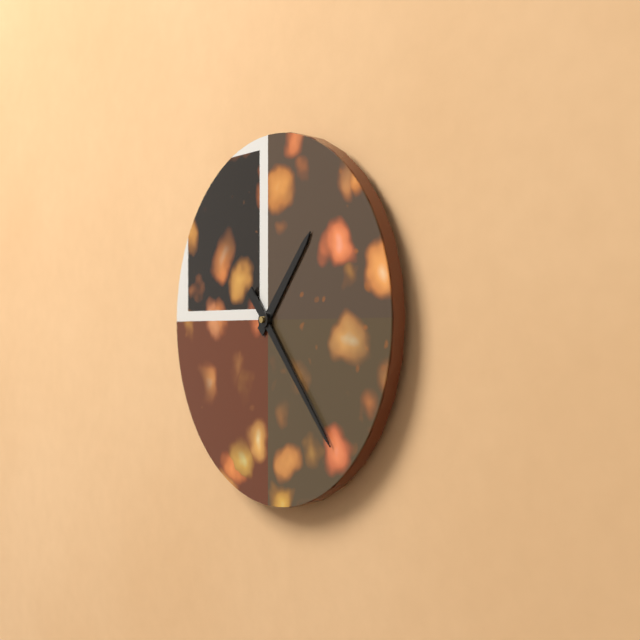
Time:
{"hour": 1, "minute": 23}
